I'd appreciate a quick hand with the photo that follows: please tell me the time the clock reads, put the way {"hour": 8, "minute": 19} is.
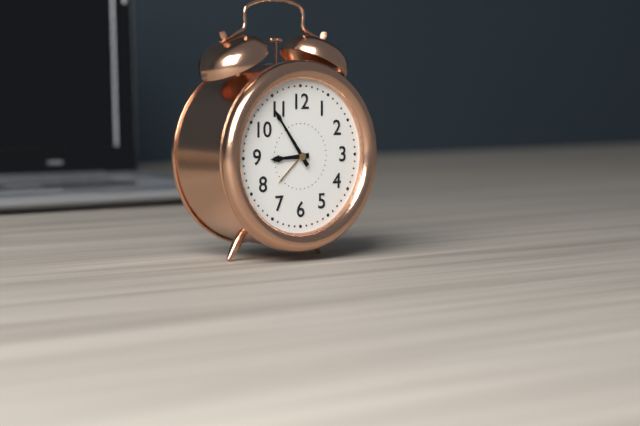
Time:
{"hour": 8, "minute": 54}
